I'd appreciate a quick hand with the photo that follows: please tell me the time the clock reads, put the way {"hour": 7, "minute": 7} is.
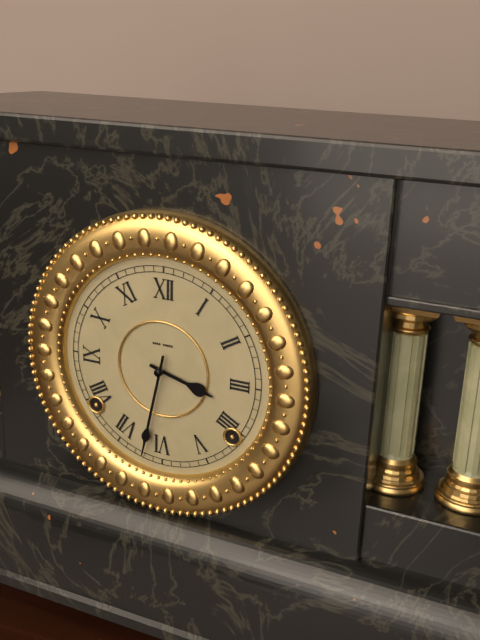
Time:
{"hour": 3, "minute": 32}
